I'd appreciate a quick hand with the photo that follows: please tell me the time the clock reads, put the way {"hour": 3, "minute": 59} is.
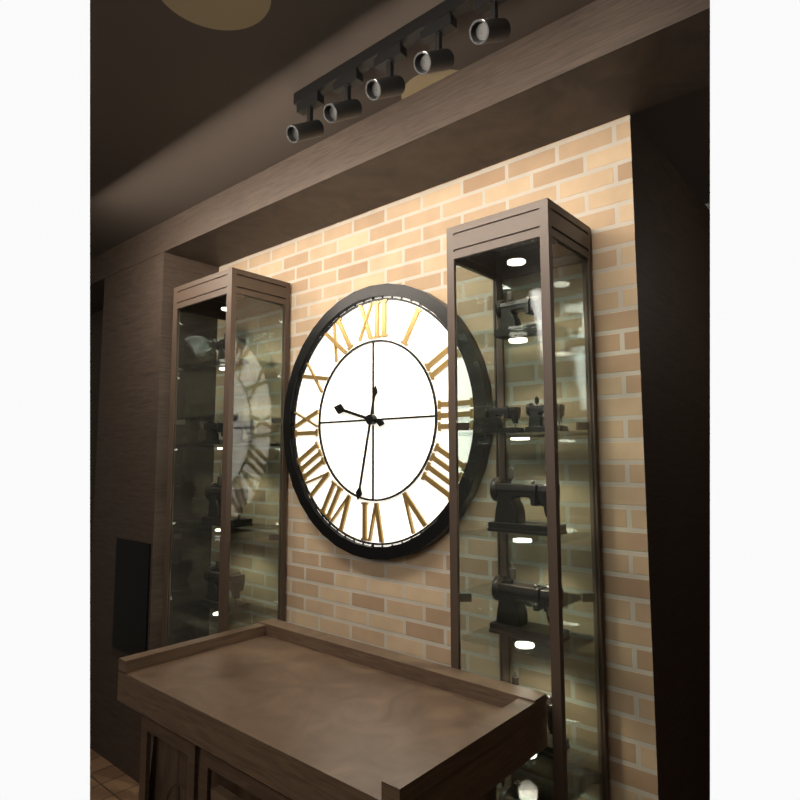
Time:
{"hour": 9, "minute": 32}
